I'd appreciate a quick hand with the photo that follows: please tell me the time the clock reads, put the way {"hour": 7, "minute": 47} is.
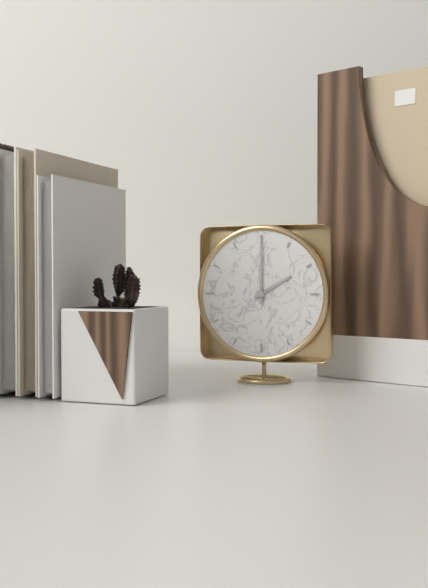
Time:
{"hour": 2, "minute": 0}
